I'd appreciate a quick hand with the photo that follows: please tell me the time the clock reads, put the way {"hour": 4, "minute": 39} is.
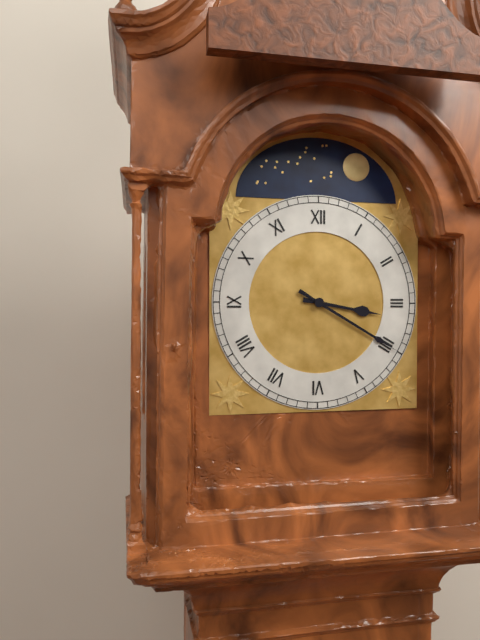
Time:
{"hour": 3, "minute": 20}
